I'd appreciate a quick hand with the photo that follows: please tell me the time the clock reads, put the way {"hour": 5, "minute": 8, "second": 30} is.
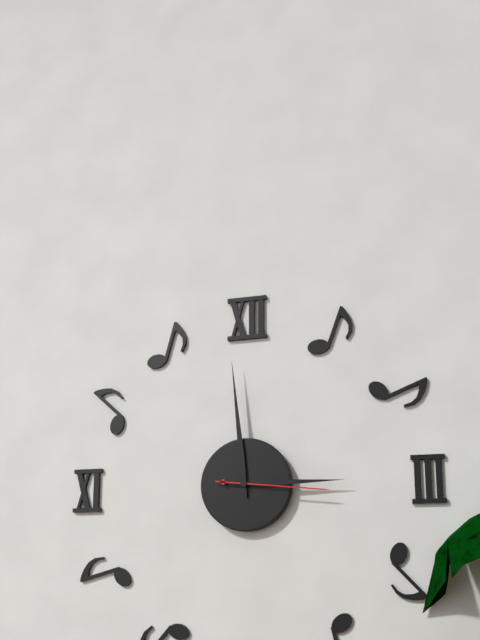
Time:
{"hour": 2, "minute": 59, "second": 16}
